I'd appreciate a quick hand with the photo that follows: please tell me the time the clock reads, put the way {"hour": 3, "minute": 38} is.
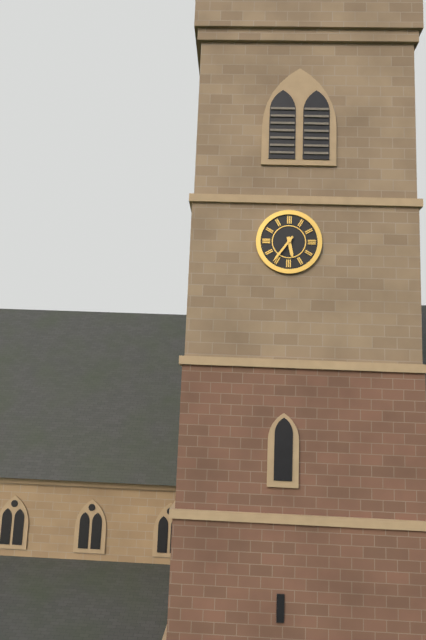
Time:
{"hour": 5, "minute": 36}
